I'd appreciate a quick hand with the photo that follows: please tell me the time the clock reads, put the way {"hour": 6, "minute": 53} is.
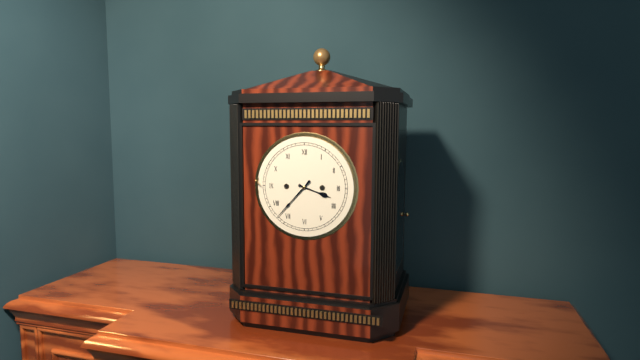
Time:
{"hour": 3, "minute": 37}
